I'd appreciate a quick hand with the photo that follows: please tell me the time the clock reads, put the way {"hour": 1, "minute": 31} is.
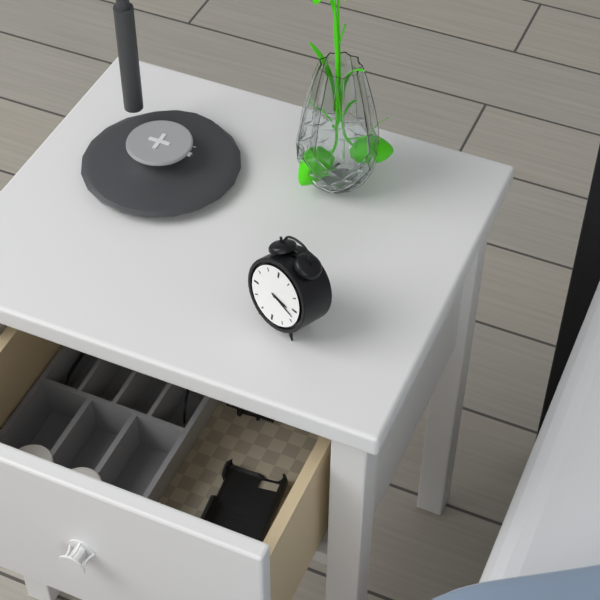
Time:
{"hour": 3, "minute": 18}
